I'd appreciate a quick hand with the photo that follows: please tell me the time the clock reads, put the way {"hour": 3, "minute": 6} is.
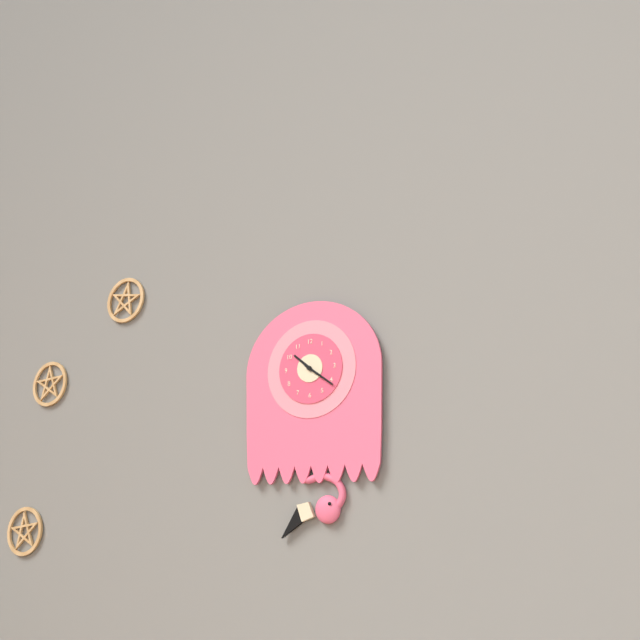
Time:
{"hour": 10, "minute": 21}
